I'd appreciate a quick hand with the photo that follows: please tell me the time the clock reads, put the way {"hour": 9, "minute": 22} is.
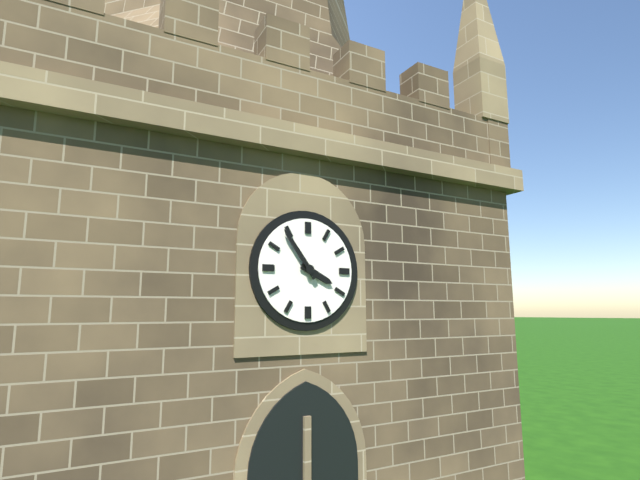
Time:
{"hour": 3, "minute": 54}
